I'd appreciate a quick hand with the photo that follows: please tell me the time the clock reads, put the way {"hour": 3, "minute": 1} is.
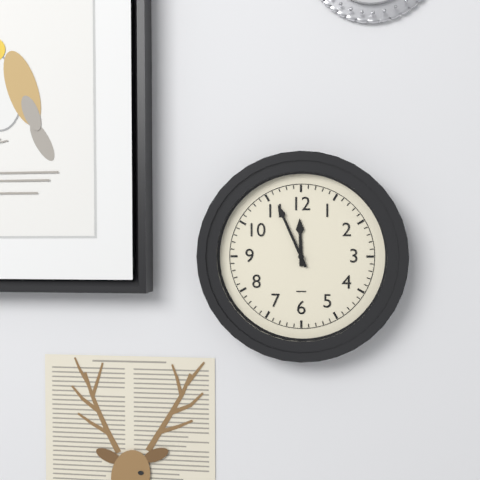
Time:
{"hour": 11, "minute": 56}
